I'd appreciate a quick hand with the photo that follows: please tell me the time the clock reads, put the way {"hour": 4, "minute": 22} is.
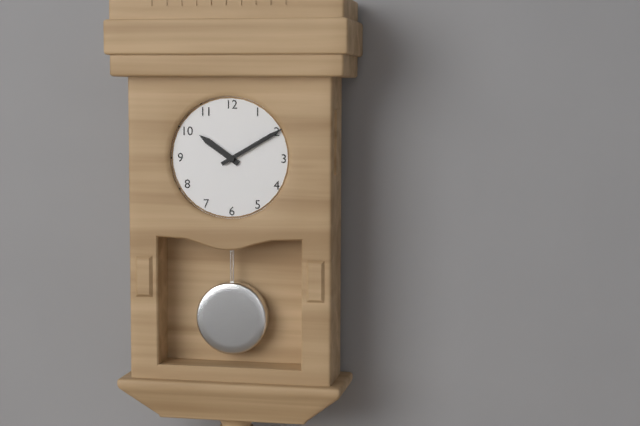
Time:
{"hour": 10, "minute": 10}
